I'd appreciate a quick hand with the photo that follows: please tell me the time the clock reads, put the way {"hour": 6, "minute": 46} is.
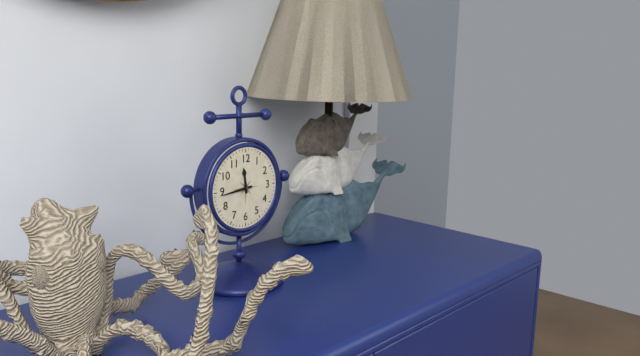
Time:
{"hour": 11, "minute": 44}
